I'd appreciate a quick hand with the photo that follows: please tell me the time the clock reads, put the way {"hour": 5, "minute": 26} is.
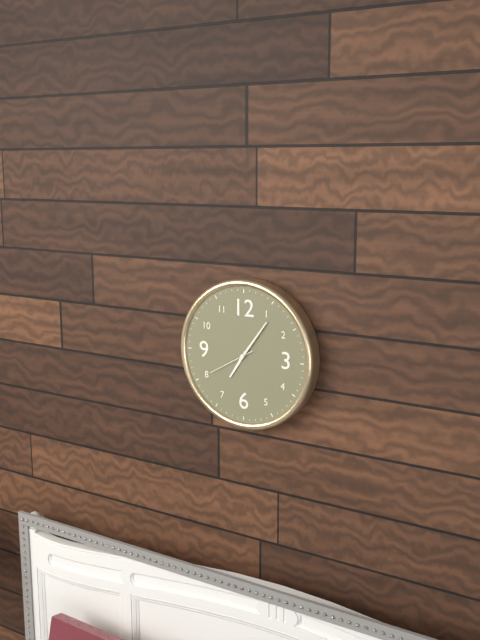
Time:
{"hour": 7, "minute": 6}
